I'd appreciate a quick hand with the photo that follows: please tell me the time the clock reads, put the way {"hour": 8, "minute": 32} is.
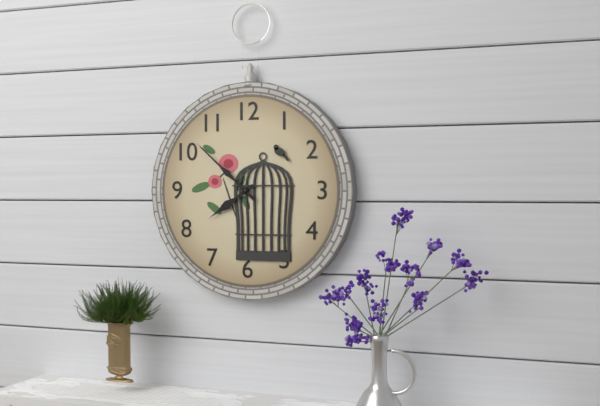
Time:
{"hour": 7, "minute": 52}
